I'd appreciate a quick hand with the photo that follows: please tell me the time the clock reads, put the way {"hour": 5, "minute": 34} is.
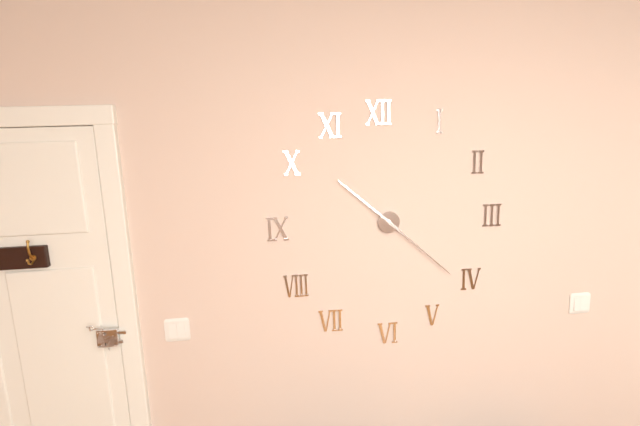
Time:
{"hour": 10, "minute": 22}
